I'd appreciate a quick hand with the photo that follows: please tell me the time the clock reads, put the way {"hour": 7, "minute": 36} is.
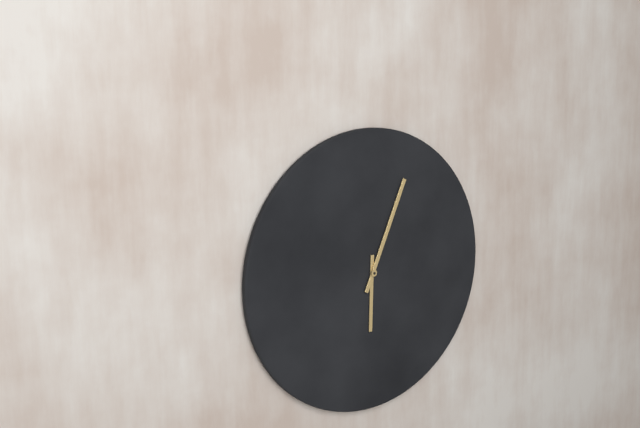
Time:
{"hour": 6, "minute": 4}
